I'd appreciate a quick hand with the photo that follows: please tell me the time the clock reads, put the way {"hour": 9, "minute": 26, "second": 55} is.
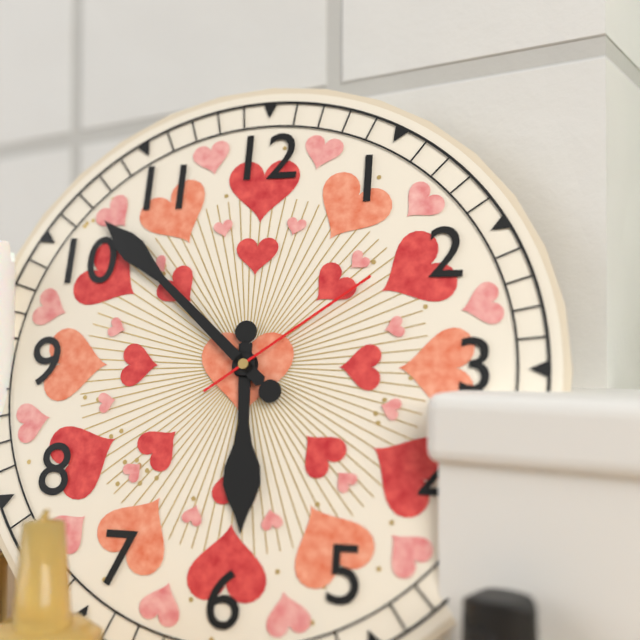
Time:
{"hour": 5, "minute": 52, "second": 9}
